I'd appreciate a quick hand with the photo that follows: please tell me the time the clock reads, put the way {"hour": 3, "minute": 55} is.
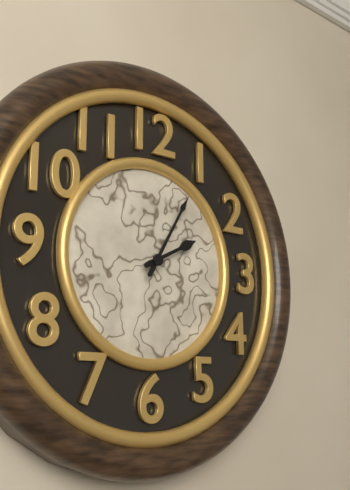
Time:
{"hour": 2, "minute": 5}
